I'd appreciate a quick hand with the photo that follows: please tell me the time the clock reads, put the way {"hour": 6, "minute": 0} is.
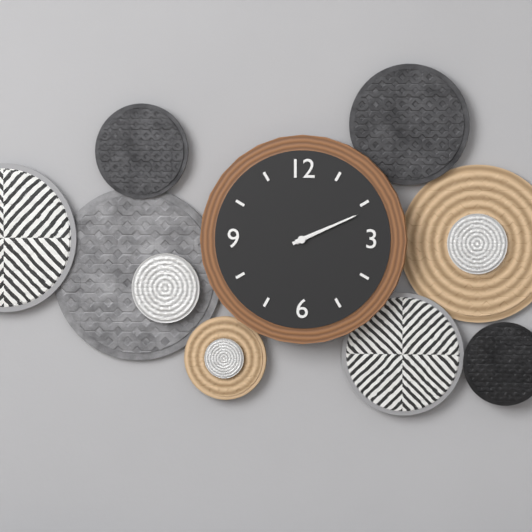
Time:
{"hour": 2, "minute": 11}
